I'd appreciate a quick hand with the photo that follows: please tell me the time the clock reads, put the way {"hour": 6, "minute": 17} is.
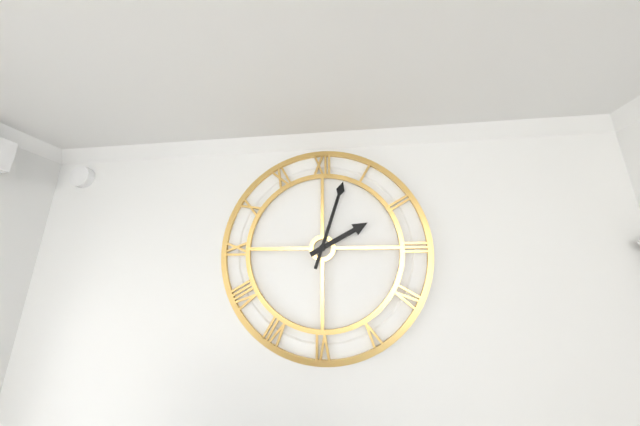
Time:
{"hour": 2, "minute": 3}
